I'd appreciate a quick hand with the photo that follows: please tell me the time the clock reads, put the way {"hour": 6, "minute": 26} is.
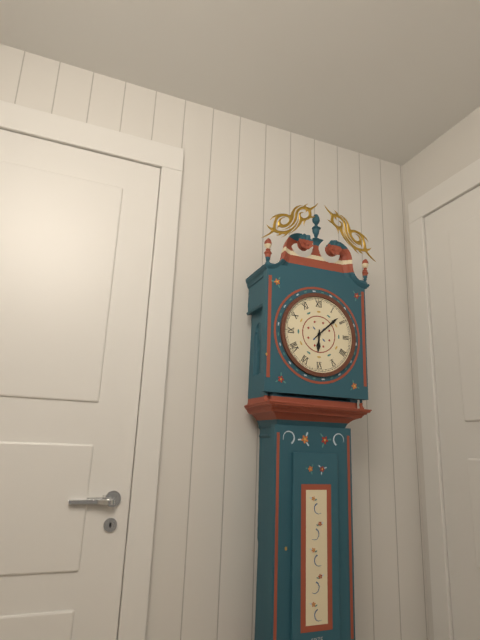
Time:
{"hour": 6, "minute": 8}
